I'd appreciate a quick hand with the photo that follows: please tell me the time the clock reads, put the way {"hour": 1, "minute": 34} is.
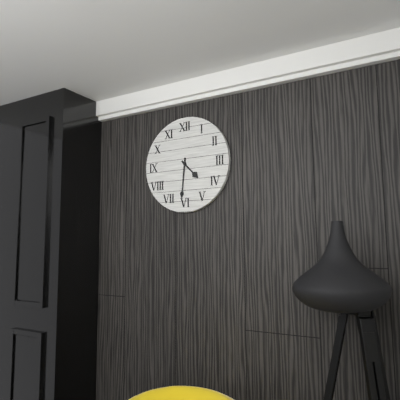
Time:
{"hour": 4, "minute": 31}
